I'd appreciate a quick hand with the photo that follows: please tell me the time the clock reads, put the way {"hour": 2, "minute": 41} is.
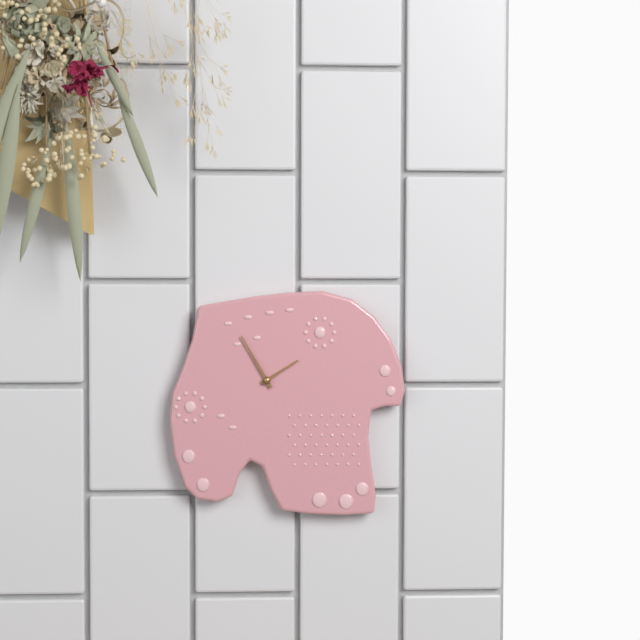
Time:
{"hour": 1, "minute": 55}
